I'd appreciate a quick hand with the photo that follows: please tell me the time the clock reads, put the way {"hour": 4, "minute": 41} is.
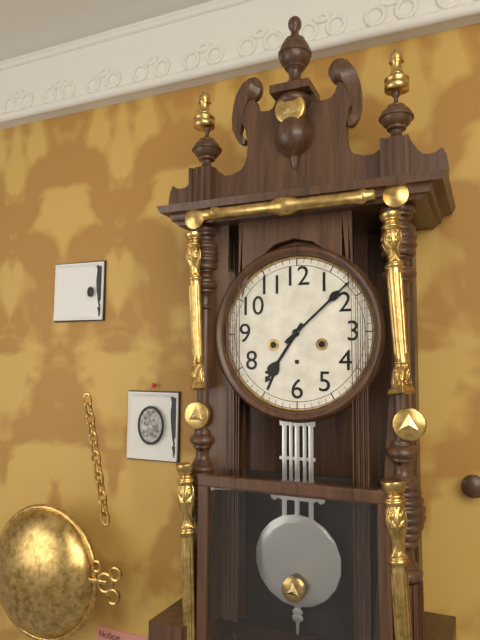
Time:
{"hour": 7, "minute": 8}
